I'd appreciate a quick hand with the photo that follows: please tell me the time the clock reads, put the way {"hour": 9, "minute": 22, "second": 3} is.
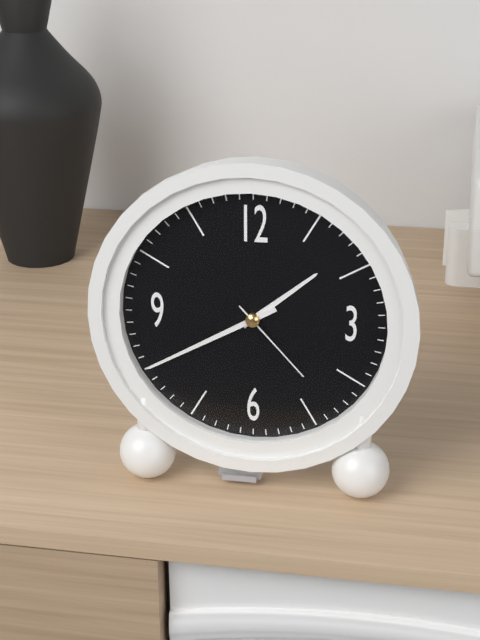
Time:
{"hour": 1, "minute": 40, "second": 23}
